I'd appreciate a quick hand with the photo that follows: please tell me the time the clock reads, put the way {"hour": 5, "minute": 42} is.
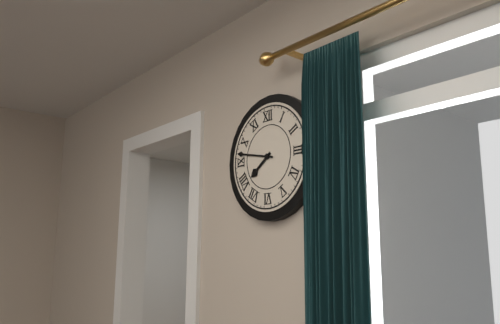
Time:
{"hour": 7, "minute": 47}
